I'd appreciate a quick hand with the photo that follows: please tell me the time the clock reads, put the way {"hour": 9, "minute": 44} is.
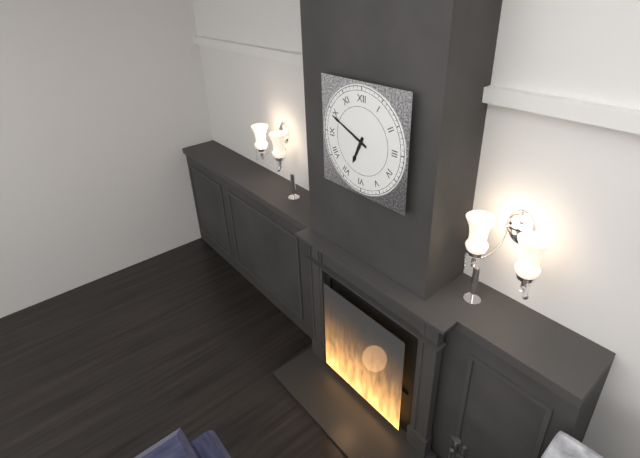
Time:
{"hour": 6, "minute": 49}
